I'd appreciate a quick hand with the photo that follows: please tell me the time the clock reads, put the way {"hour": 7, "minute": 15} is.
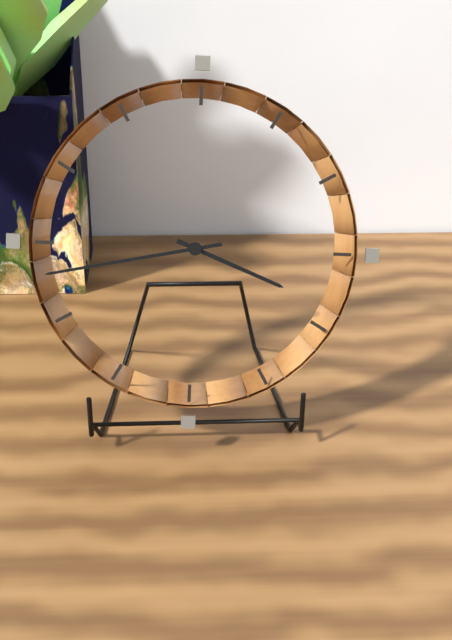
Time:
{"hour": 3, "minute": 43}
